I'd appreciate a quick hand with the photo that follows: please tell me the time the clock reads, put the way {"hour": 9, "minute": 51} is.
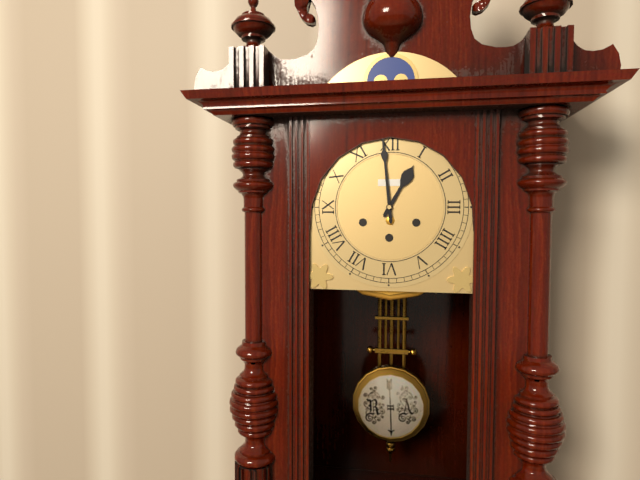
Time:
{"hour": 12, "minute": 59}
